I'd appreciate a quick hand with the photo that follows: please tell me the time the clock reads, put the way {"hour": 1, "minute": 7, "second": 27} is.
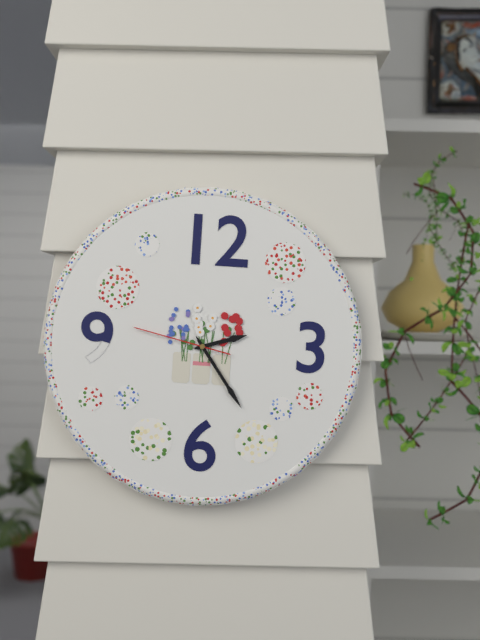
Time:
{"hour": 2, "minute": 24, "second": 47}
